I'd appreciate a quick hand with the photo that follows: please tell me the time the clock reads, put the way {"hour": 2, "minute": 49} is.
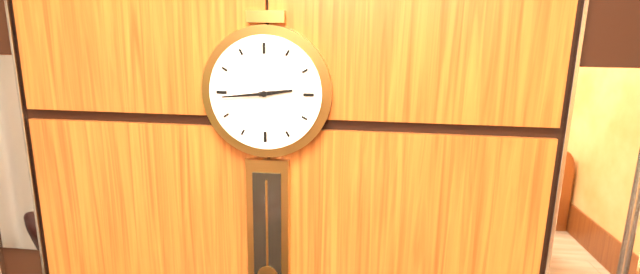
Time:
{"hour": 2, "minute": 44}
